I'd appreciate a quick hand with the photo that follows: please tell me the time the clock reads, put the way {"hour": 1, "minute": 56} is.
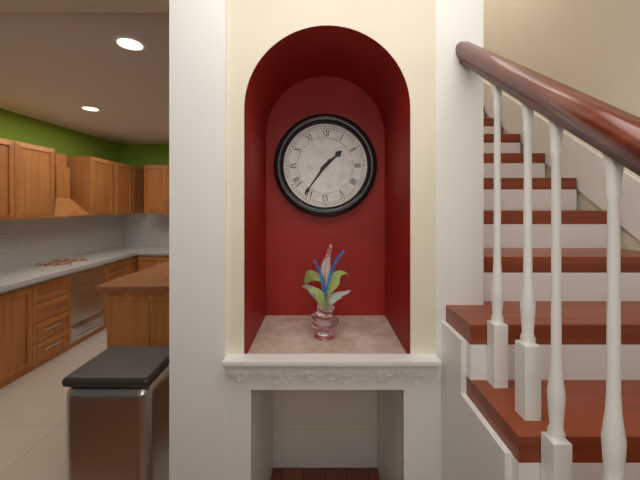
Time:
{"hour": 1, "minute": 36}
